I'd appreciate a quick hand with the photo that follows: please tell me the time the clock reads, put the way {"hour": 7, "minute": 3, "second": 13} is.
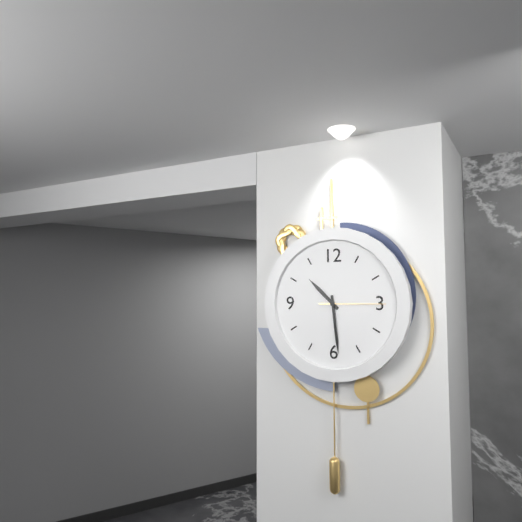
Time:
{"hour": 10, "minute": 29, "second": 15}
